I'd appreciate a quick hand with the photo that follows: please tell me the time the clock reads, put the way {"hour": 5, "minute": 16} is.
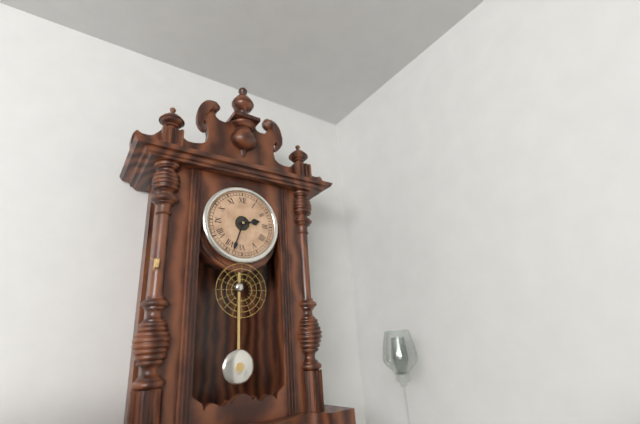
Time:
{"hour": 2, "minute": 33}
